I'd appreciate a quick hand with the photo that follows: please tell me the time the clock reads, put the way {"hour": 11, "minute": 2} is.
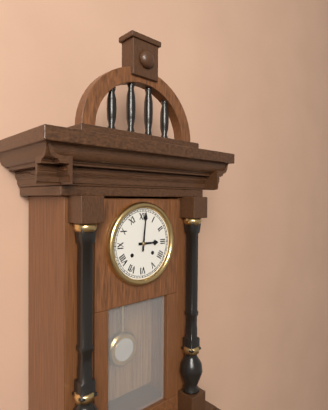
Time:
{"hour": 3, "minute": 1}
